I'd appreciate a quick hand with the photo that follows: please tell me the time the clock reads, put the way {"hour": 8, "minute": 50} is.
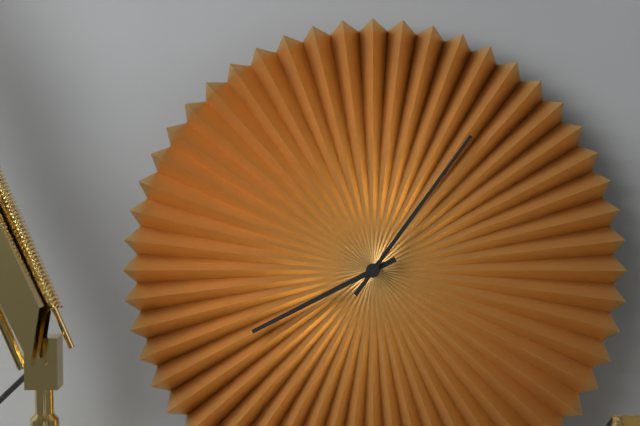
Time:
{"hour": 8, "minute": 6}
